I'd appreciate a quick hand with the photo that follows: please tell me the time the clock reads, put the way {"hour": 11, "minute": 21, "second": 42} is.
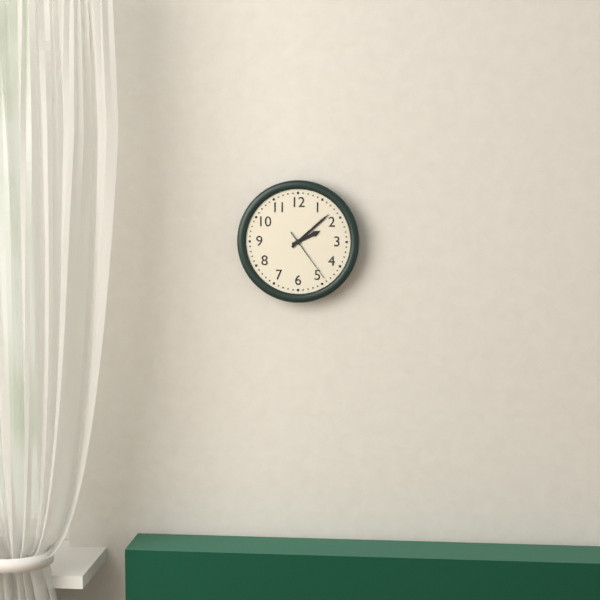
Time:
{"hour": 2, "minute": 8, "second": 24}
